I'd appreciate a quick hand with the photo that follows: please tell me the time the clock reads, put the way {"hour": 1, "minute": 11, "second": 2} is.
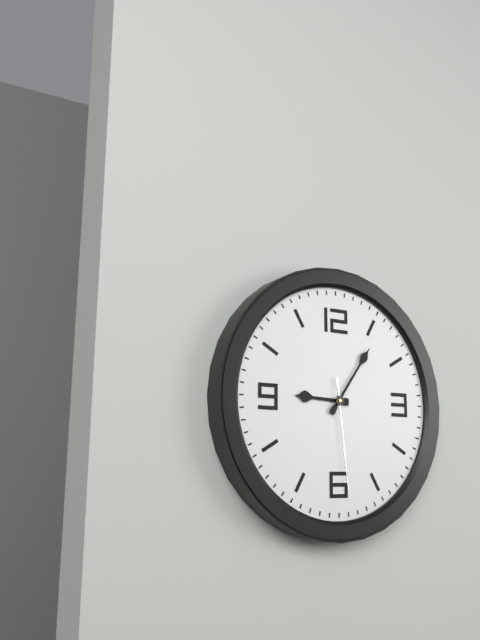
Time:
{"hour": 9, "minute": 6, "second": 29}
